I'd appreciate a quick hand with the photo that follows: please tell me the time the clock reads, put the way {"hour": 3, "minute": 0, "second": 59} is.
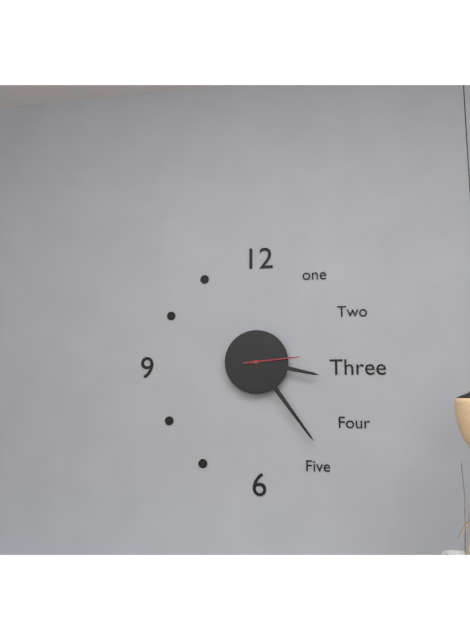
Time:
{"hour": 3, "minute": 24, "second": 14}
